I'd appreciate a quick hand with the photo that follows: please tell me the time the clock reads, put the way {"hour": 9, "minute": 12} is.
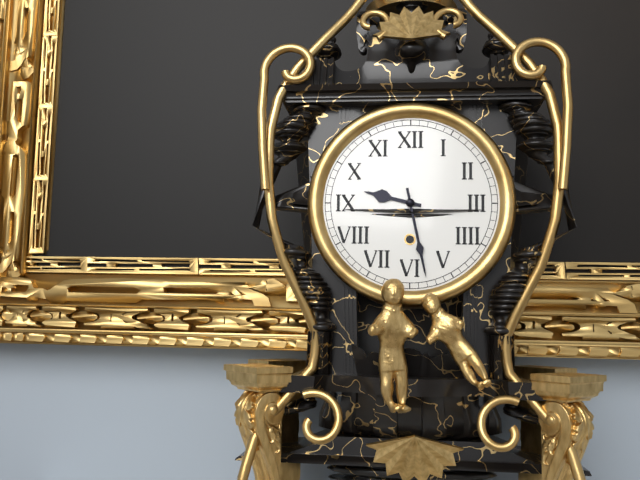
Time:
{"hour": 9, "minute": 28}
